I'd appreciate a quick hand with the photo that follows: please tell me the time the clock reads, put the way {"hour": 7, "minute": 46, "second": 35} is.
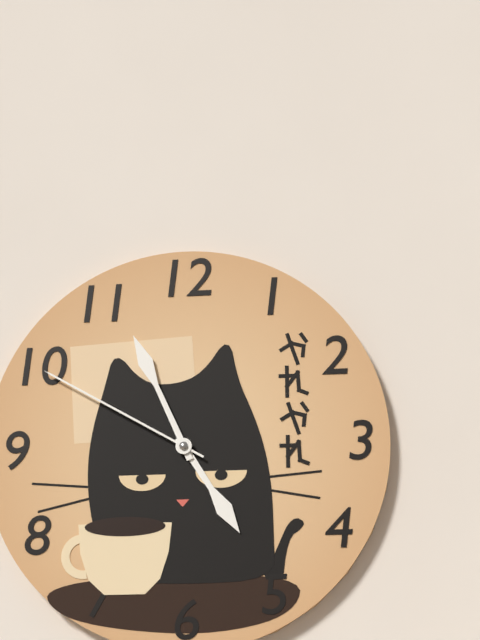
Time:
{"hour": 4, "minute": 56, "second": 50}
